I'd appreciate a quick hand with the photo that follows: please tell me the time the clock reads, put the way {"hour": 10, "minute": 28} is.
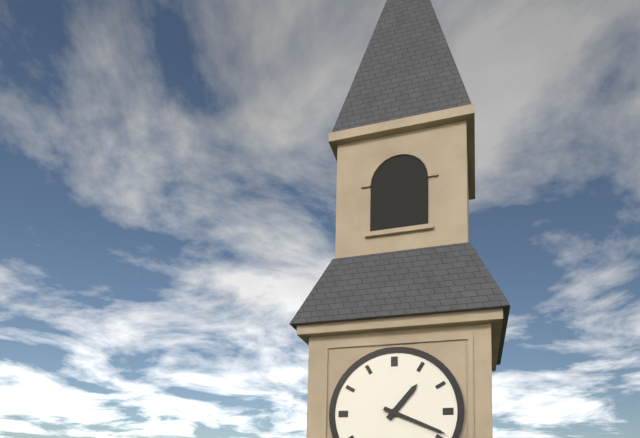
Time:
{"hour": 1, "minute": 19}
